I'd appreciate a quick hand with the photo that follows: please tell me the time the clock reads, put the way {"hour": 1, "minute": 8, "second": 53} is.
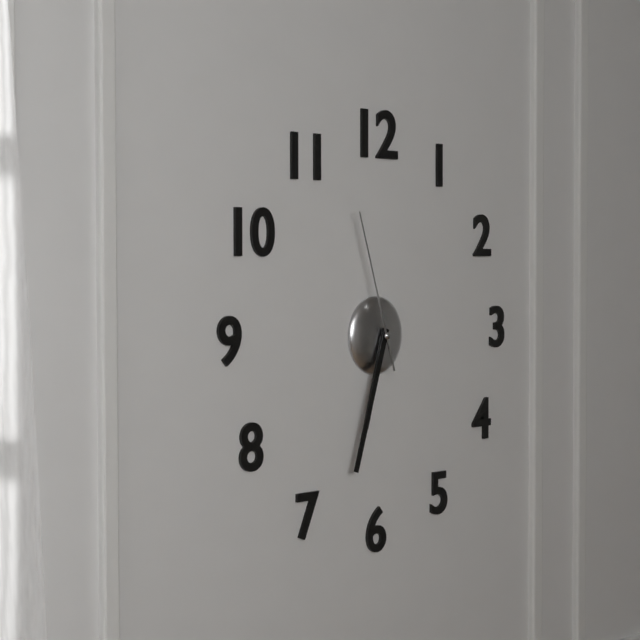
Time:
{"hour": 6, "minute": 33, "second": 57}
